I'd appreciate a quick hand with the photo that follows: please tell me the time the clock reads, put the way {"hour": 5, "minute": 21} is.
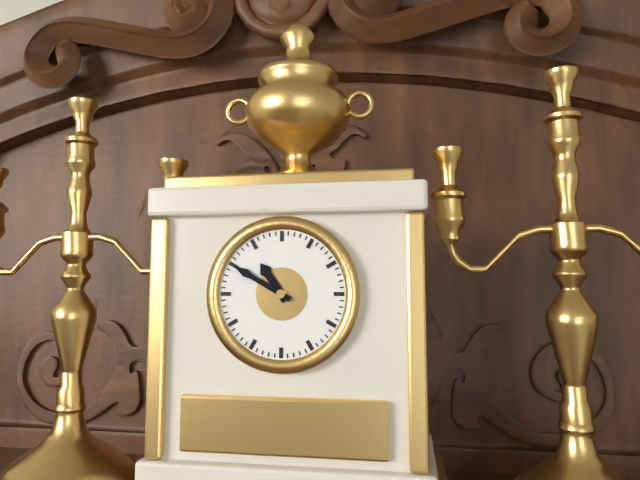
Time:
{"hour": 10, "minute": 50}
